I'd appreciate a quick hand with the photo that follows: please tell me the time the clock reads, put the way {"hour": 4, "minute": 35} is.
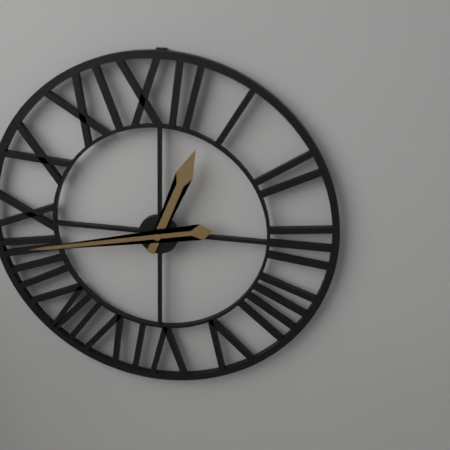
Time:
{"hour": 12, "minute": 43}
